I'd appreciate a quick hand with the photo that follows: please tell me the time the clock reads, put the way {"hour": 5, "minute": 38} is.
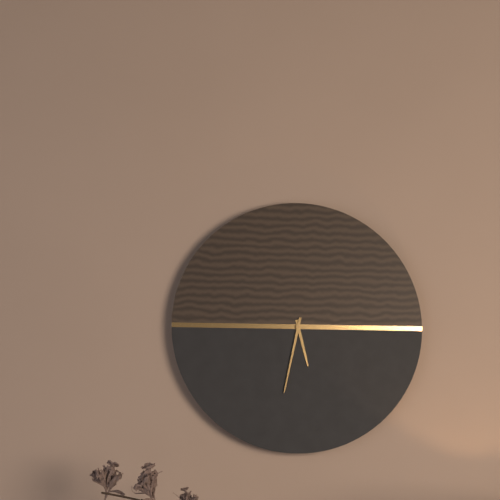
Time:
{"hour": 5, "minute": 32}
